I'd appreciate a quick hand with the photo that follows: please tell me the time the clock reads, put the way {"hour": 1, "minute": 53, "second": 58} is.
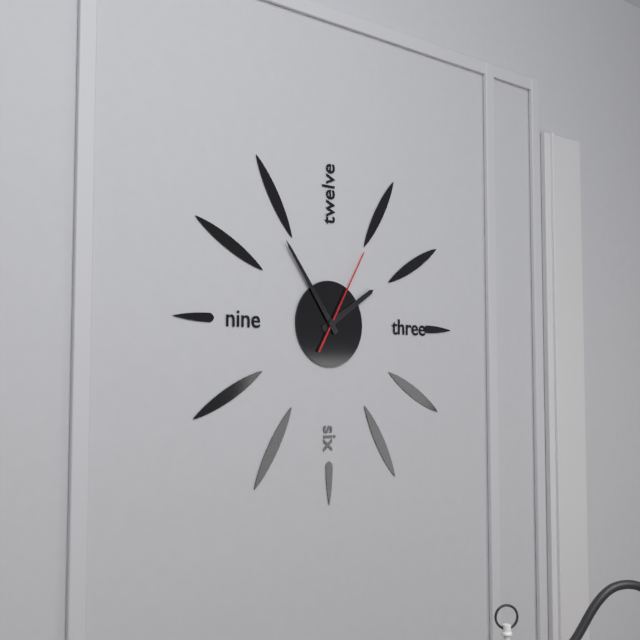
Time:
{"hour": 1, "minute": 54, "second": 5}
